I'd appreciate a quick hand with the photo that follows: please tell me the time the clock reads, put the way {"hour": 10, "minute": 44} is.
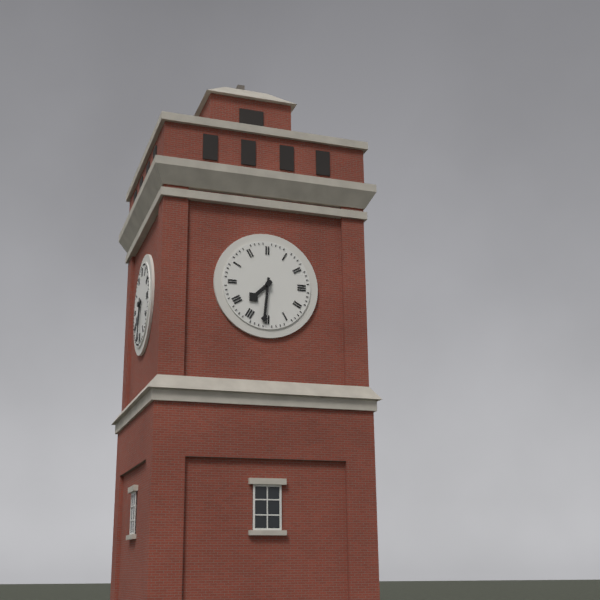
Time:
{"hour": 7, "minute": 31}
